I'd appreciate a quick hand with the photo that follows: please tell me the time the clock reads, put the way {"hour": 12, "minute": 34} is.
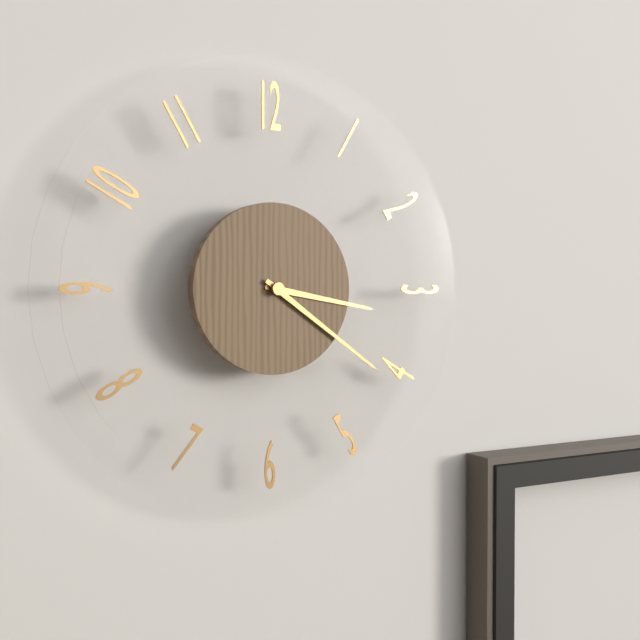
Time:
{"hour": 3, "minute": 21}
